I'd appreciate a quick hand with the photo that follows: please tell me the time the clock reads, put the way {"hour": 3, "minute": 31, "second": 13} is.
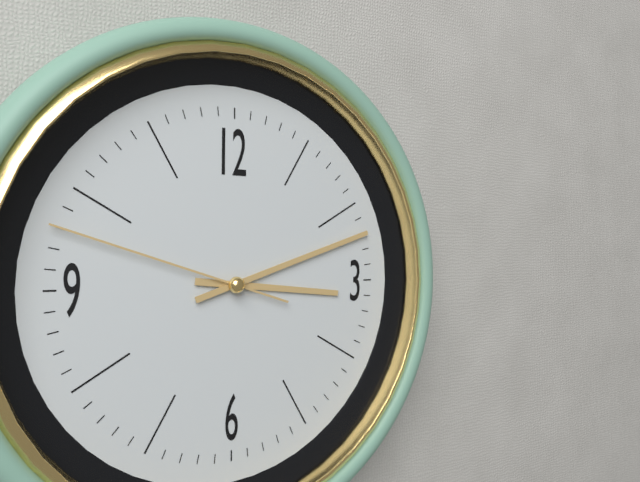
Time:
{"hour": 3, "minute": 12, "second": 48}
